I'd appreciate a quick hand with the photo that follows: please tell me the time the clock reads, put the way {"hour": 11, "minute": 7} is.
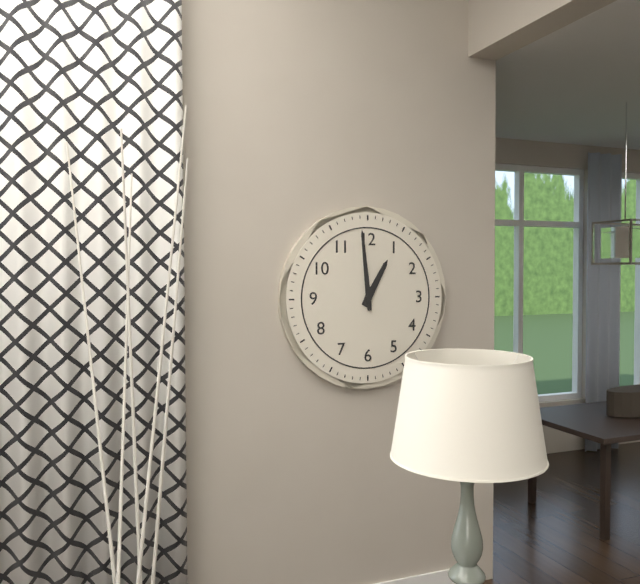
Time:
{"hour": 12, "minute": 59}
